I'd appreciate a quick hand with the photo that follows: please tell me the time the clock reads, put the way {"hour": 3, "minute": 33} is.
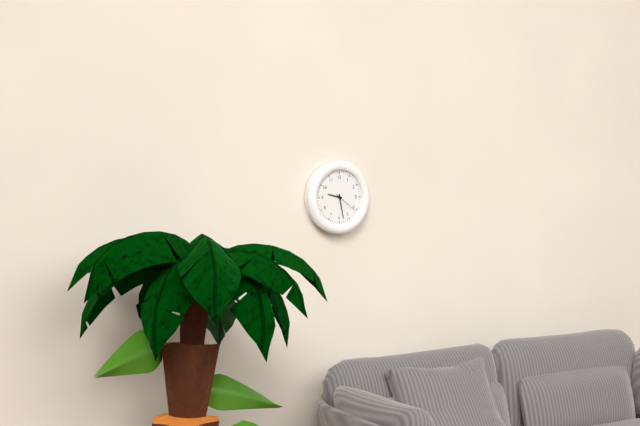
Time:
{"hour": 9, "minute": 28}
